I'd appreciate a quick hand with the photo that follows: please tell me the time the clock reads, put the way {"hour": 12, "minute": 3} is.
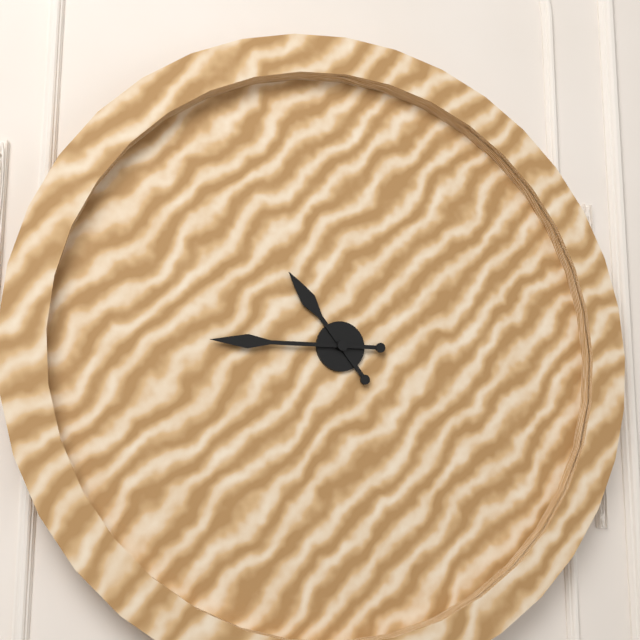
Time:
{"hour": 10, "minute": 45}
